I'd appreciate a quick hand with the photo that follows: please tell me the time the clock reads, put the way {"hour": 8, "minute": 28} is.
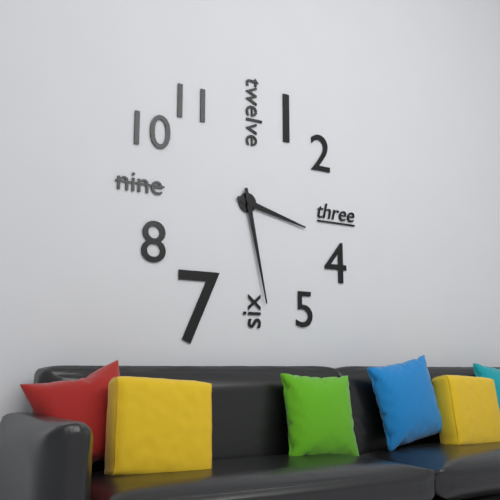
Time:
{"hour": 3, "minute": 28}
